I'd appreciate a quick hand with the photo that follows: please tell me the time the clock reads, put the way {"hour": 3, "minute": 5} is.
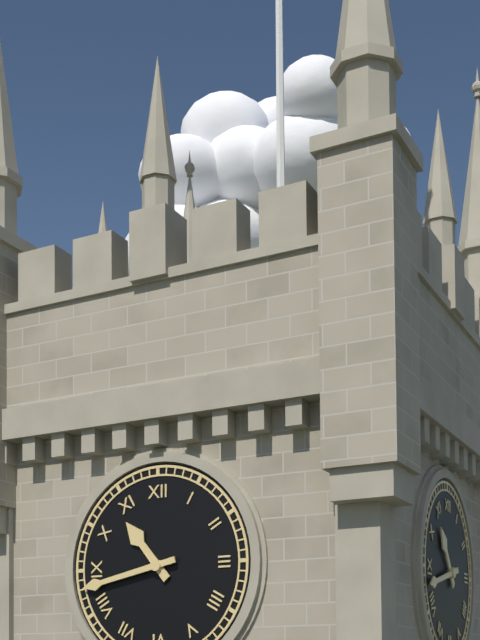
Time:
{"hour": 10, "minute": 43}
